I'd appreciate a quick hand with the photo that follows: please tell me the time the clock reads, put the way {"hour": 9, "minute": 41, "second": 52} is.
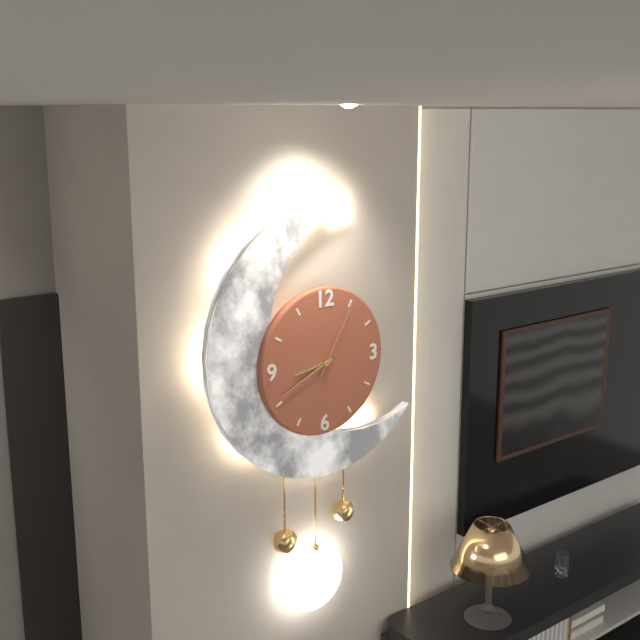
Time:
{"hour": 8, "minute": 41, "second": 5}
